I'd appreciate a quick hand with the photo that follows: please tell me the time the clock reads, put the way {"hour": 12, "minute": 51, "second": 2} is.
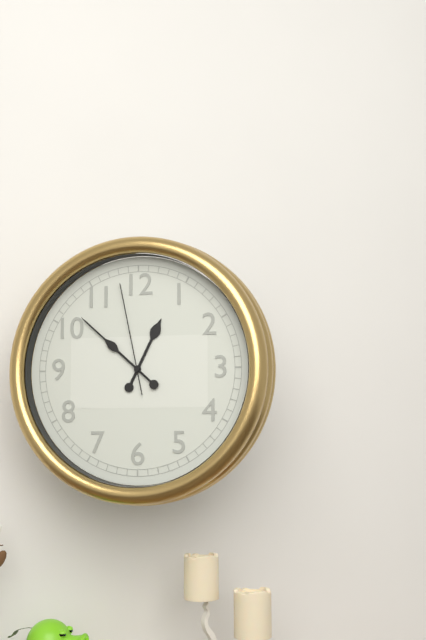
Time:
{"hour": 12, "minute": 52, "second": 58}
